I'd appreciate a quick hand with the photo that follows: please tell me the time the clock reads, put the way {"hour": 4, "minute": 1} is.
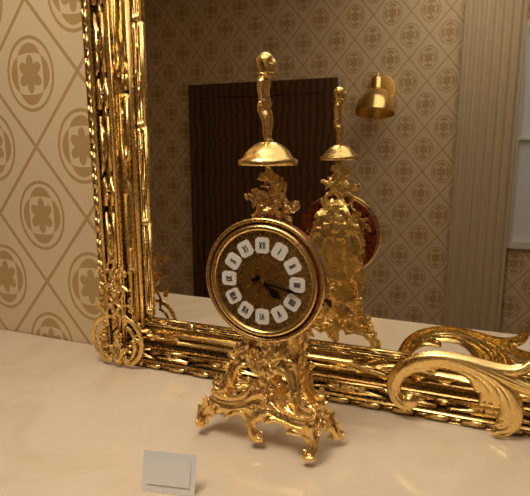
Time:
{"hour": 4, "minute": 17}
